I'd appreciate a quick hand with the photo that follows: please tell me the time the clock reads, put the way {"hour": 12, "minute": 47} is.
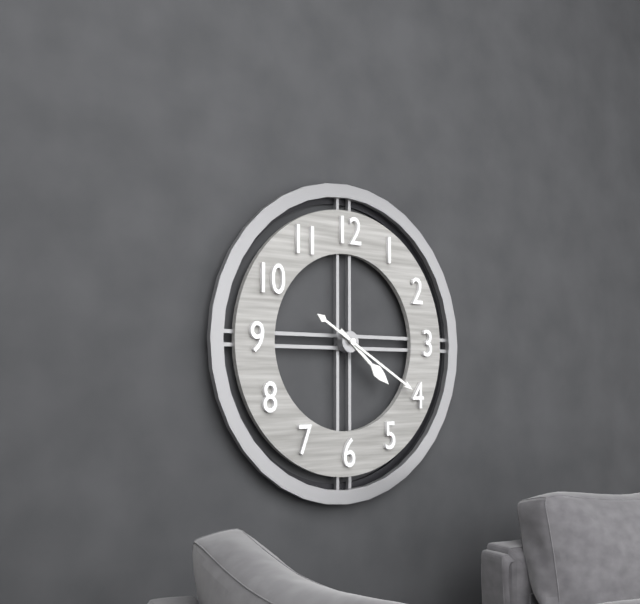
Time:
{"hour": 4, "minute": 20}
